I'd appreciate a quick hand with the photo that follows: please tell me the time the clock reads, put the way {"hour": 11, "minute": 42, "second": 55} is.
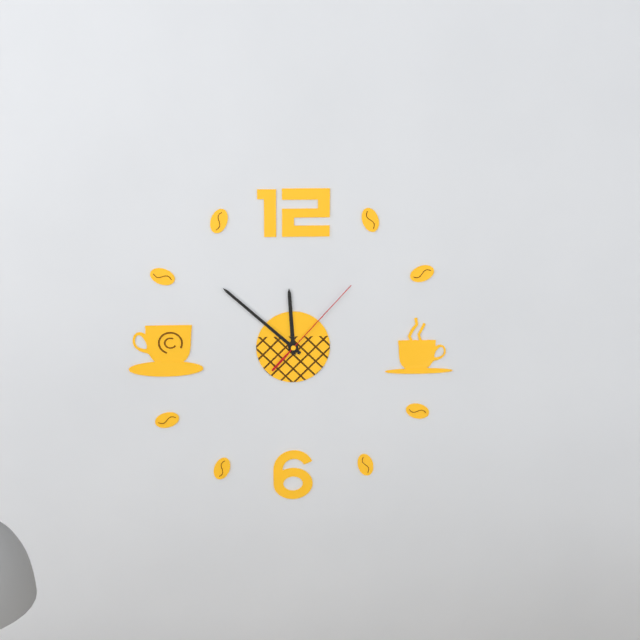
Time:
{"hour": 11, "minute": 52, "second": 7}
